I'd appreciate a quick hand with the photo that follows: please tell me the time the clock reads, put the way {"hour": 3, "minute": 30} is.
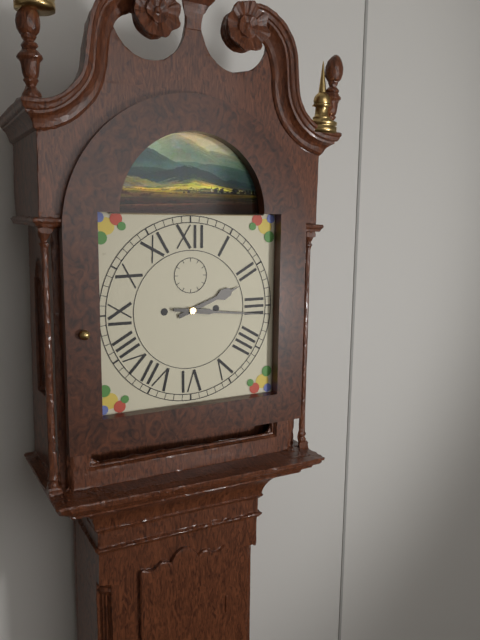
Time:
{"hour": 2, "minute": 16}
